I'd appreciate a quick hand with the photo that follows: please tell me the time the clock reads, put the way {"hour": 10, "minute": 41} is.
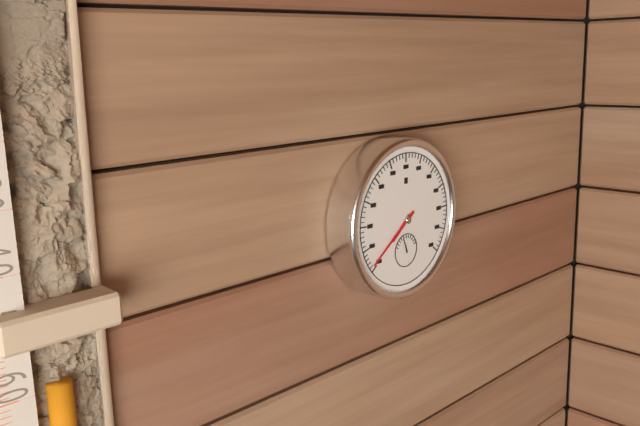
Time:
{"hour": 7, "minute": 39}
